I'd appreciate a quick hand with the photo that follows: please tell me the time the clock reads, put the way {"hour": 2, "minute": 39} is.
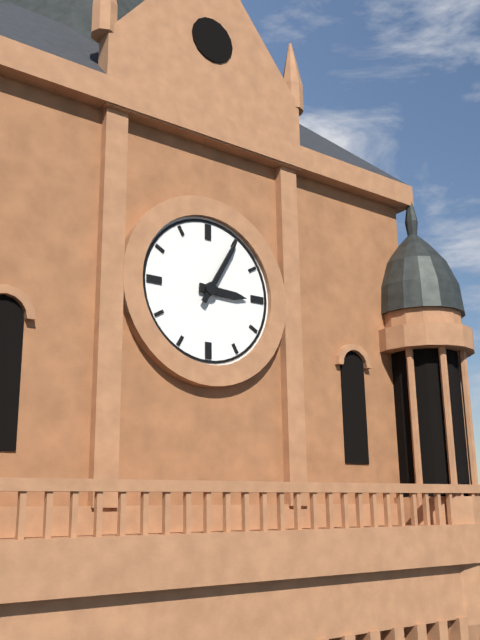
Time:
{"hour": 3, "minute": 5}
